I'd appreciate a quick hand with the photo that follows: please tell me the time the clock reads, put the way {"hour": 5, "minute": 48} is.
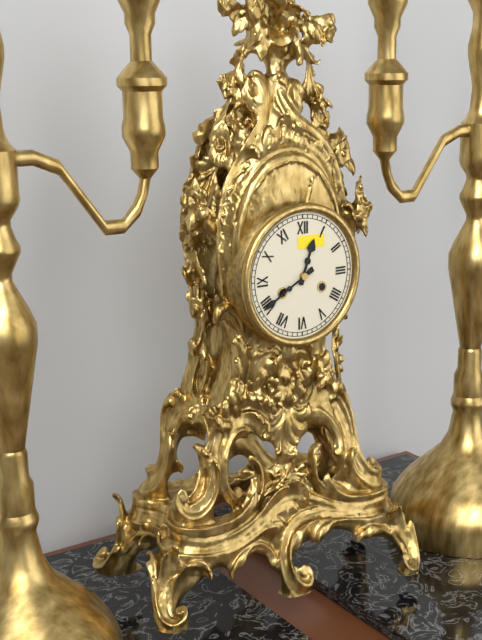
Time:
{"hour": 12, "minute": 40}
